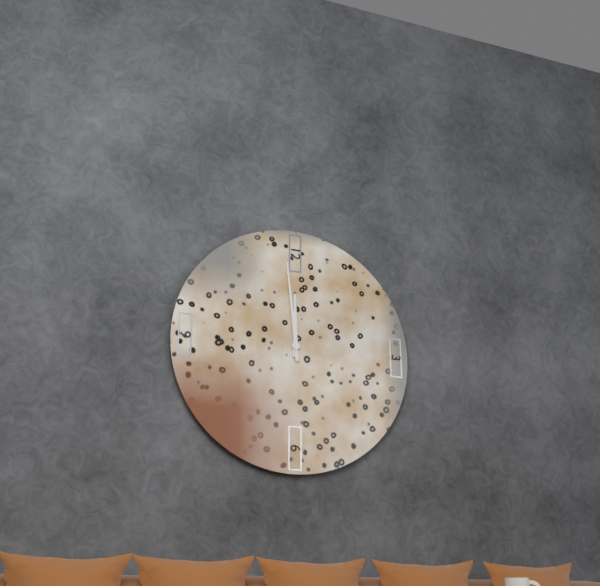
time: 11:59
